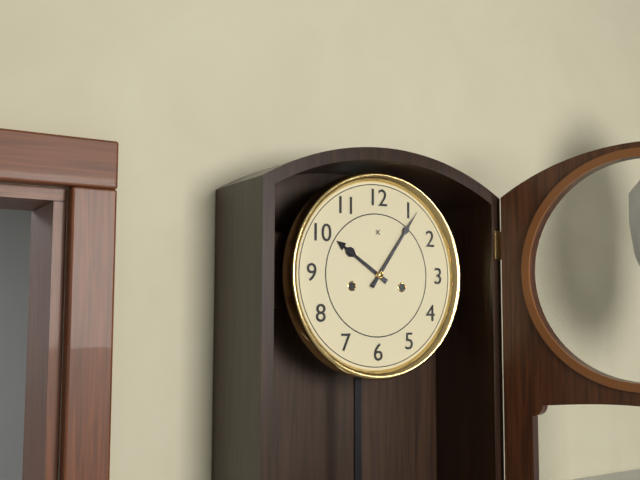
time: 10:06
